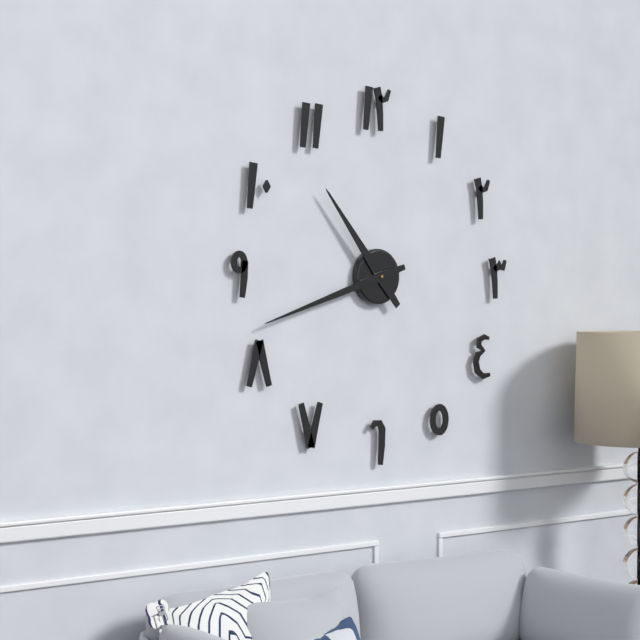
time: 10:42
